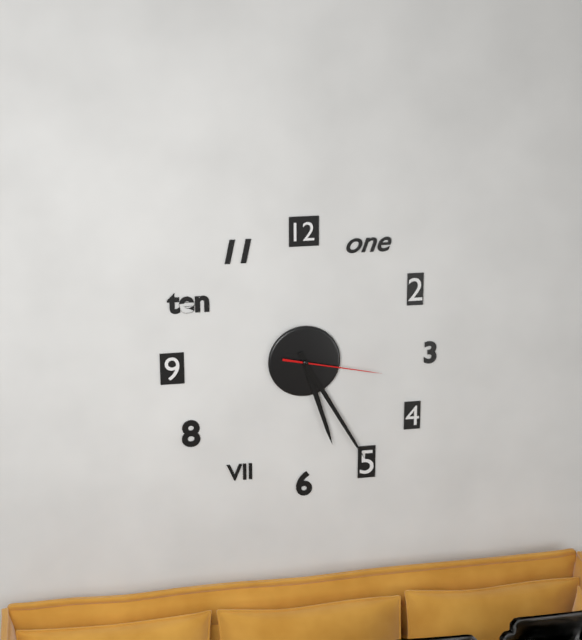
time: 5:25:17
